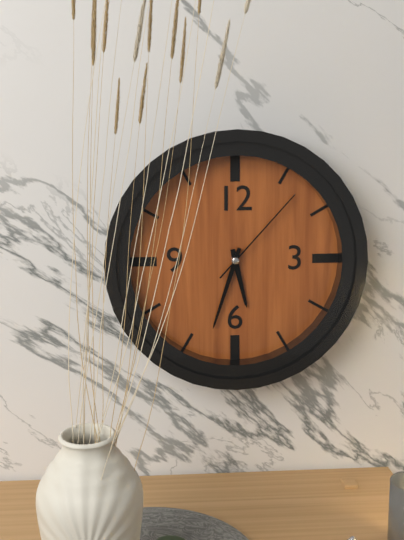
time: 5:33:07
